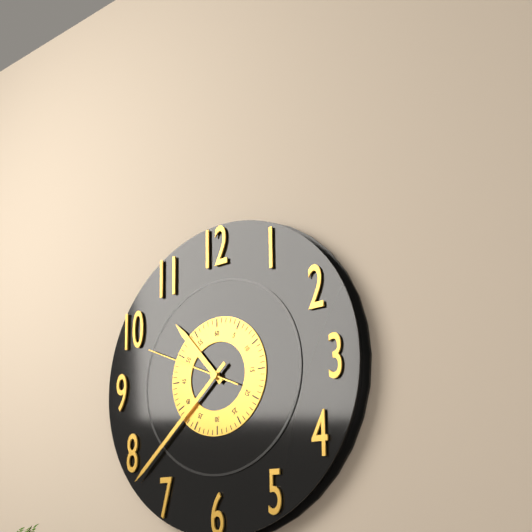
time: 10:38:49
